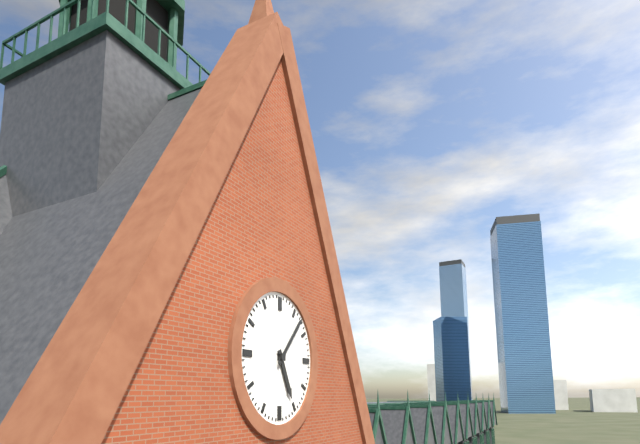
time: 5:07
